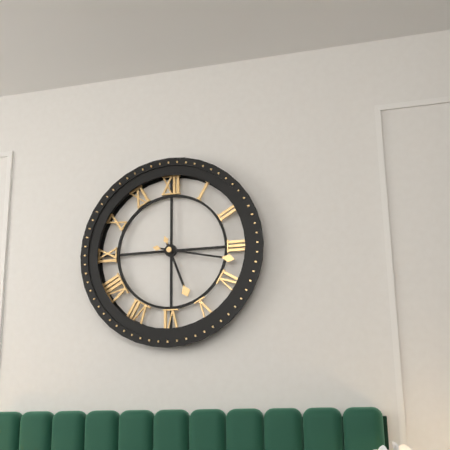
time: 5:17
